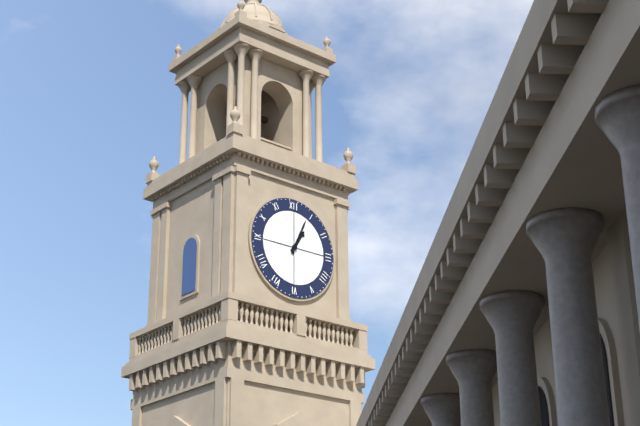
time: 1:04
